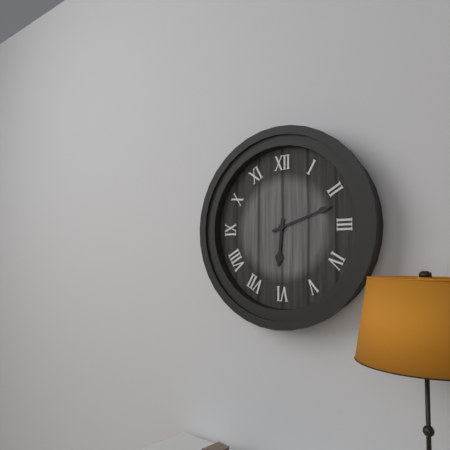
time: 6:12
